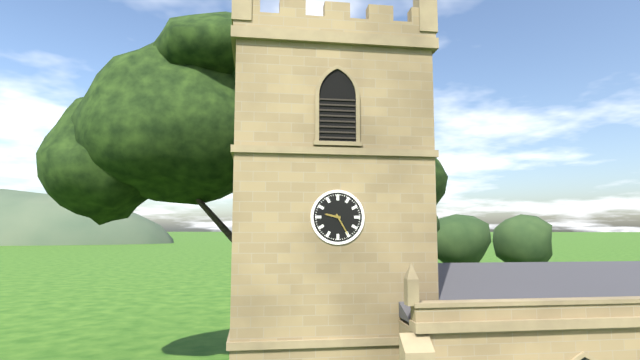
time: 9:25
